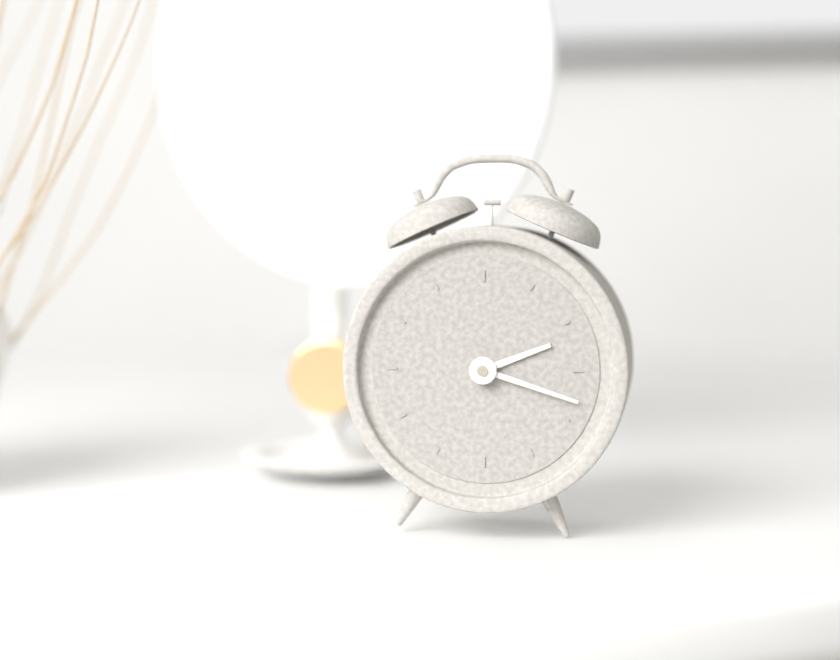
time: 2:18
